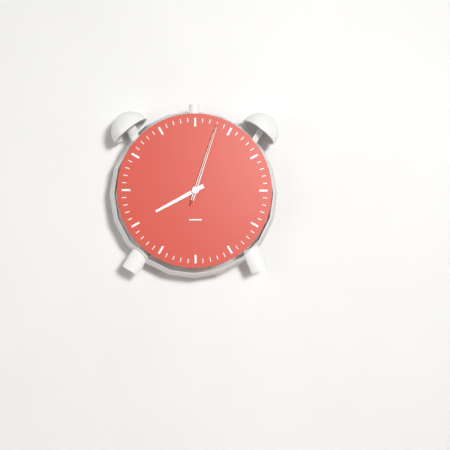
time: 8:03:03
